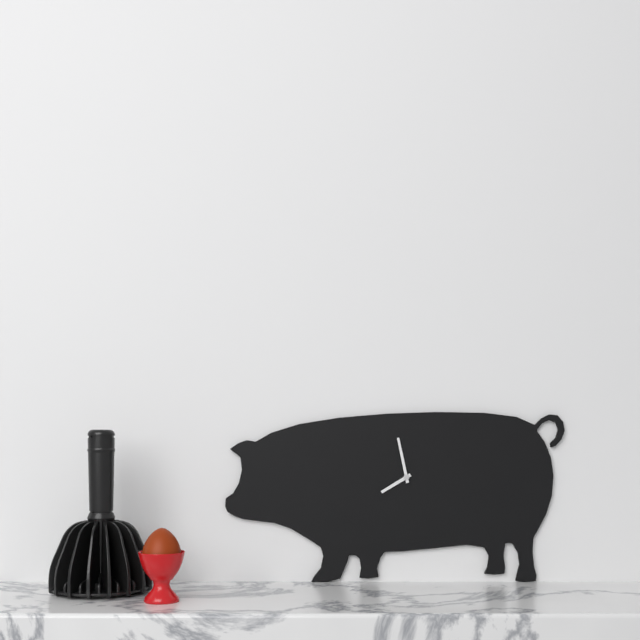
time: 7:58
